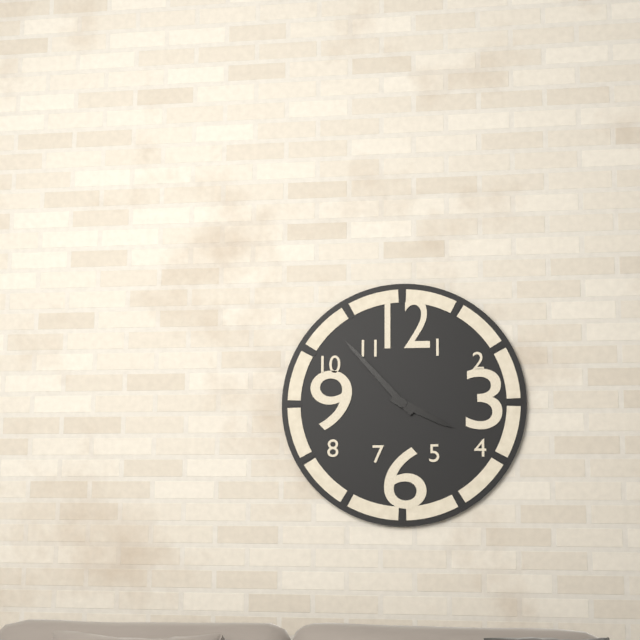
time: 3:53
